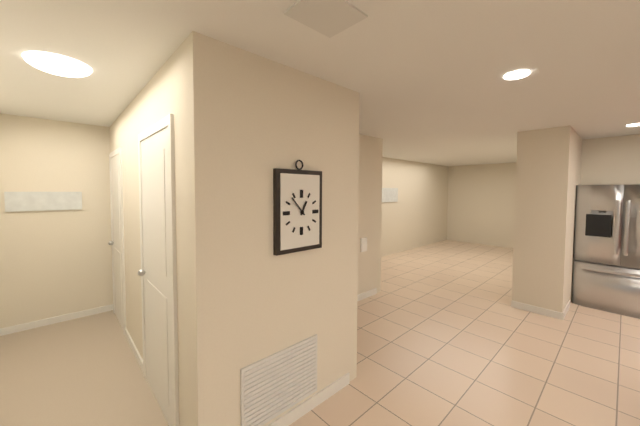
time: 12:53
